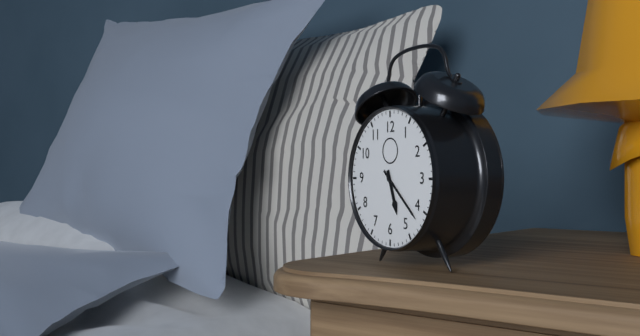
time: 5:22
